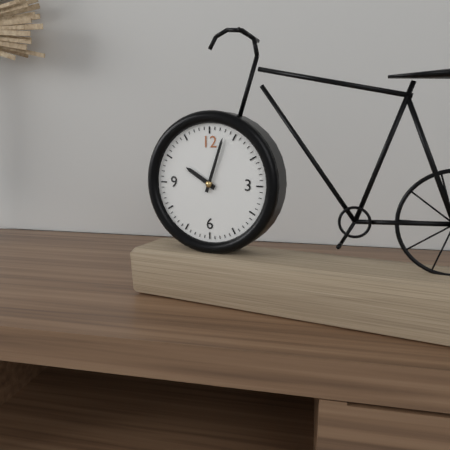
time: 10:03
